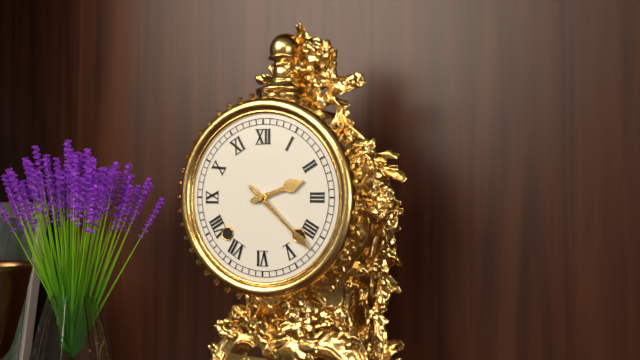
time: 2:22
